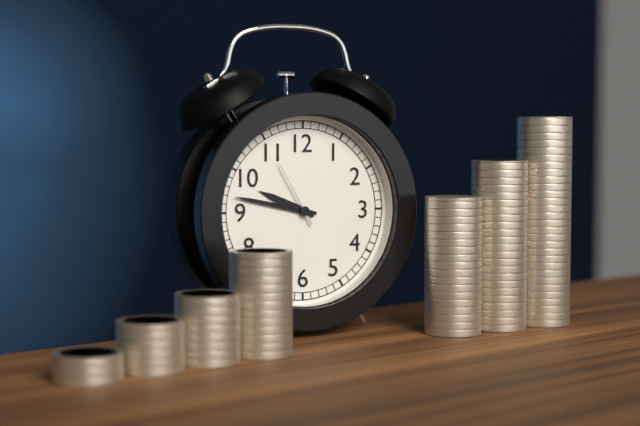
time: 9:47:55
